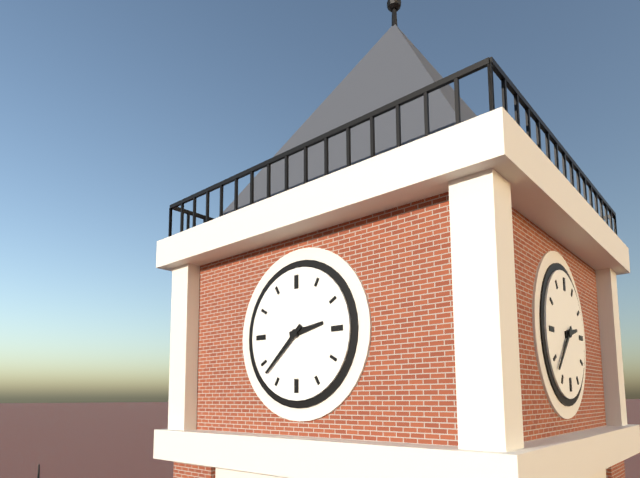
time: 2:38
